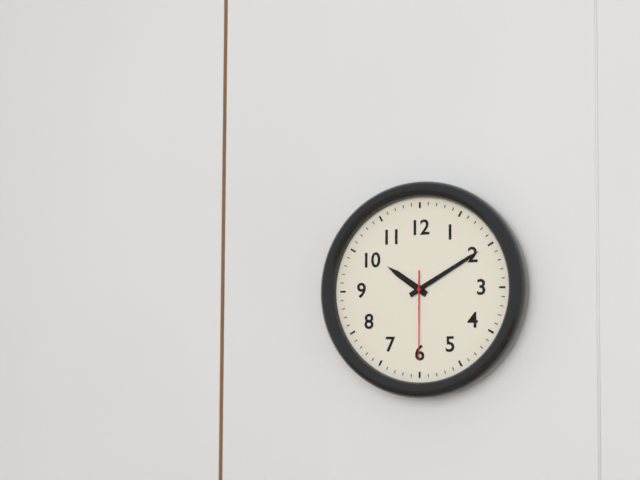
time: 10:10:30
